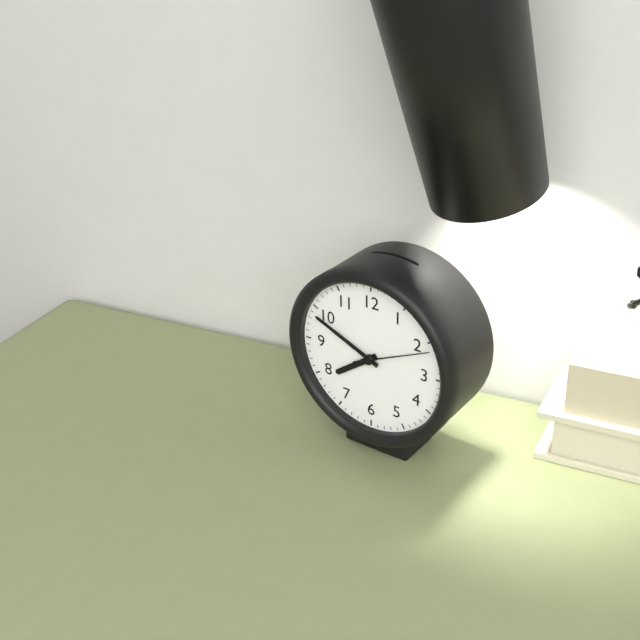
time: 7:49:11
